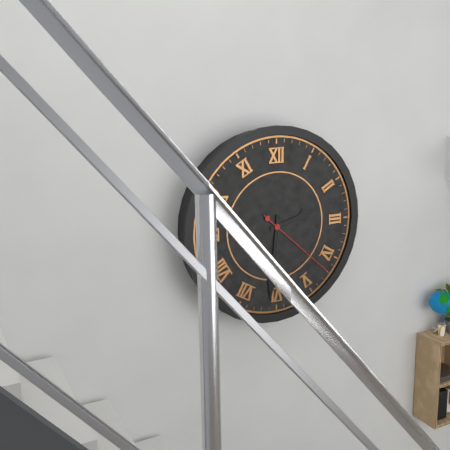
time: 2:31:22
